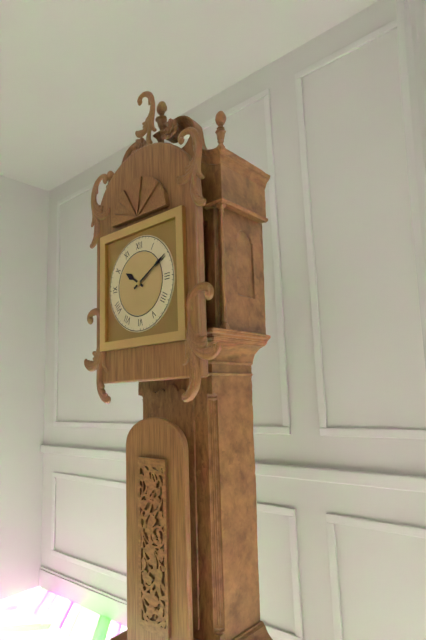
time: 10:10
